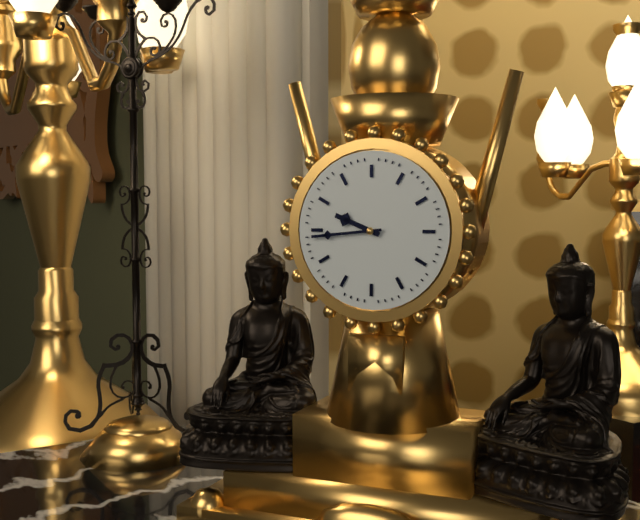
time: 9:44
